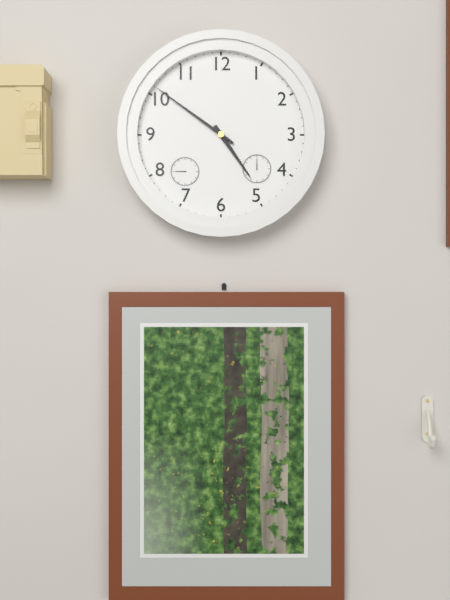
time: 4:51
